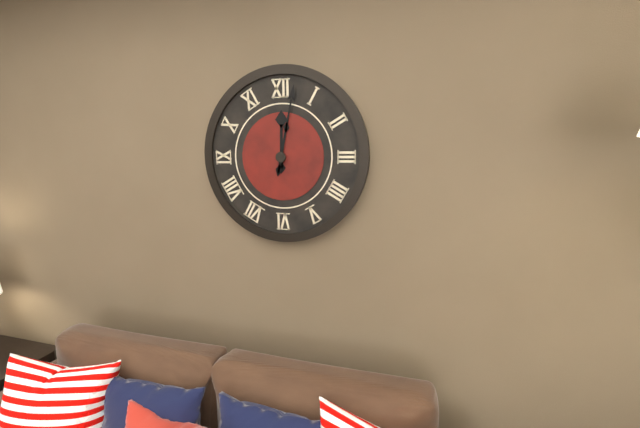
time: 12:02
